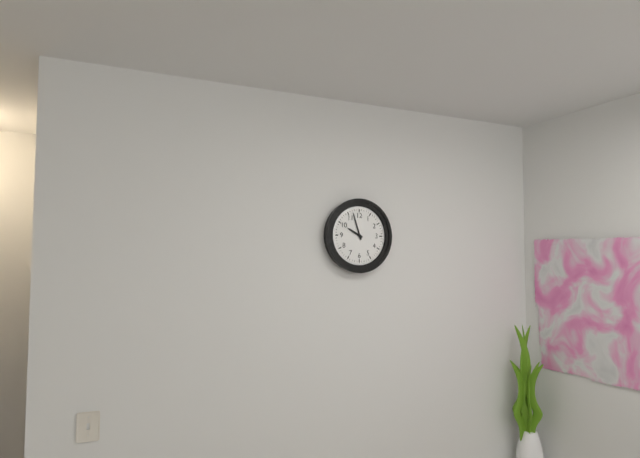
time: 9:57
